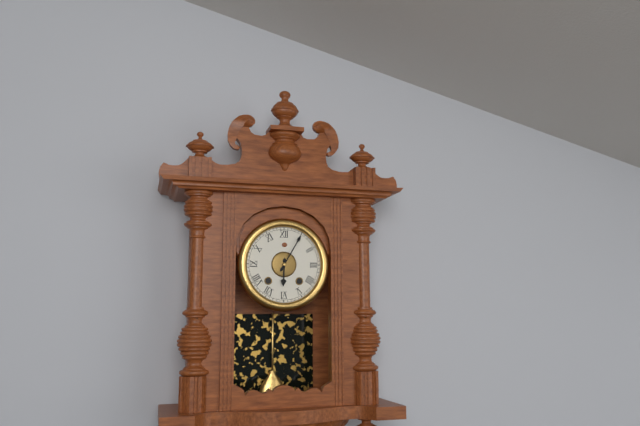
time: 6:05
